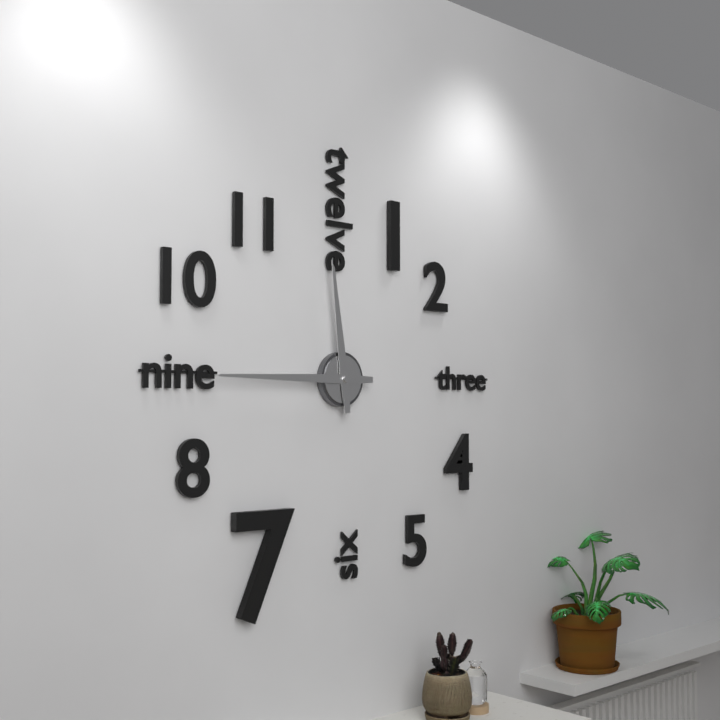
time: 11:45
